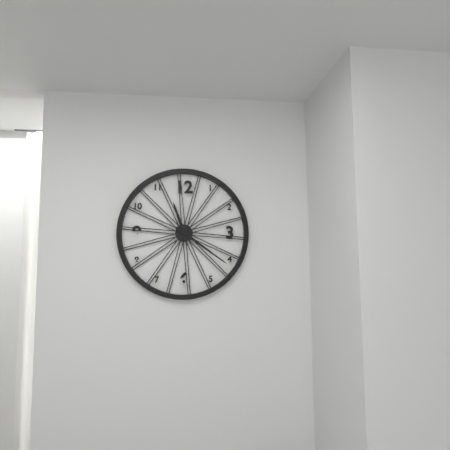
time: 11:21
